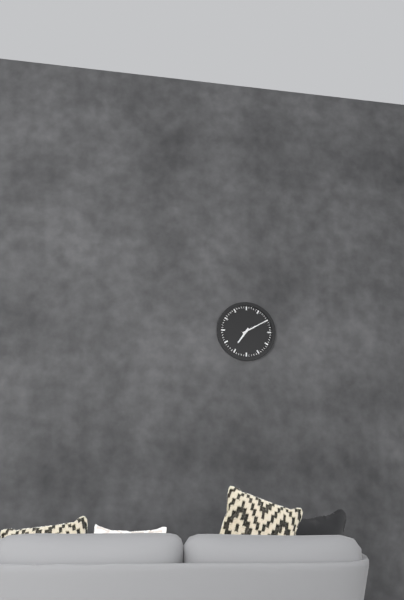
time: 7:10
